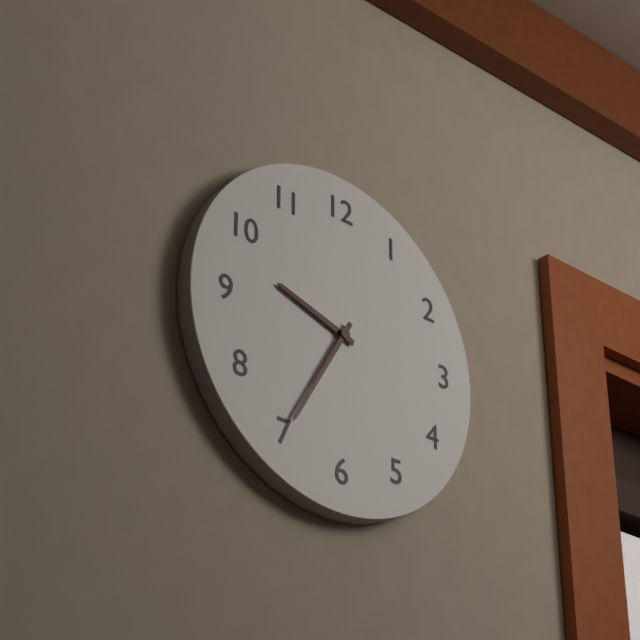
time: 9:35
